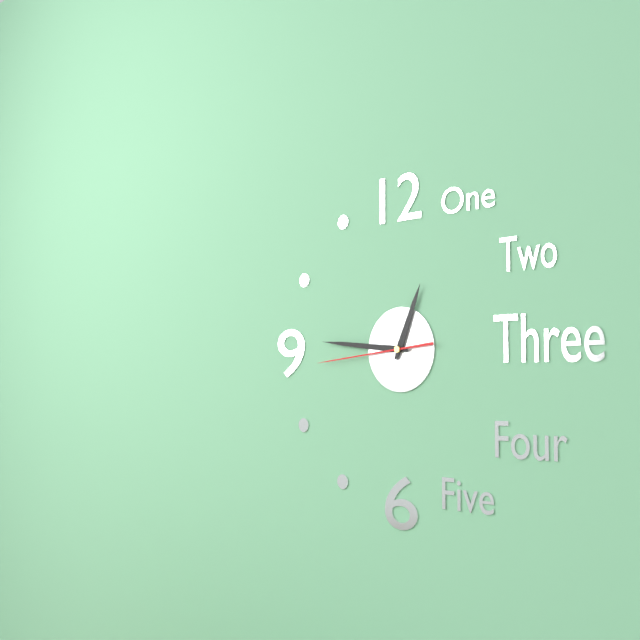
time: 12:46:44
